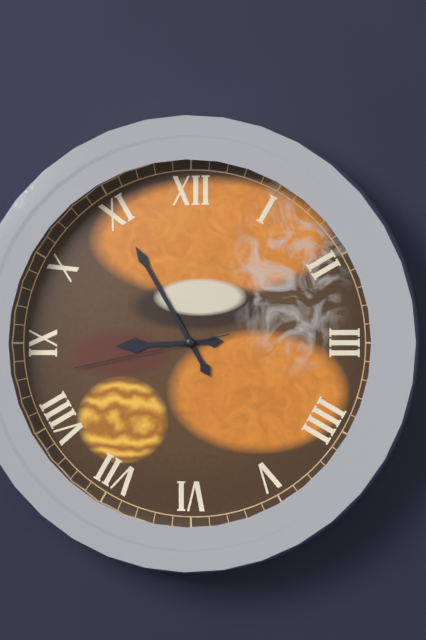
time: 8:55:43
